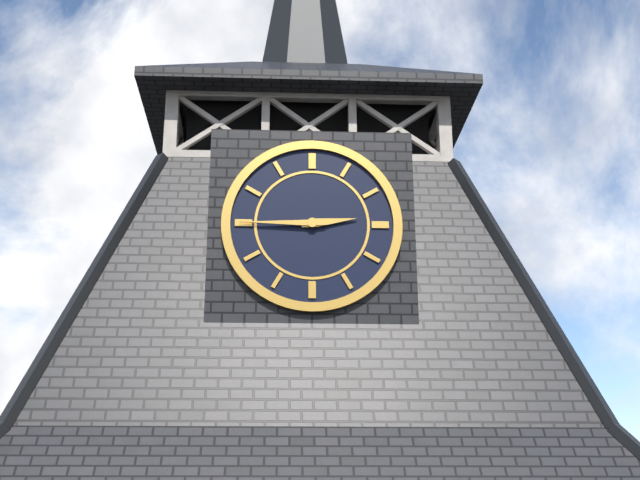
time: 2:45
